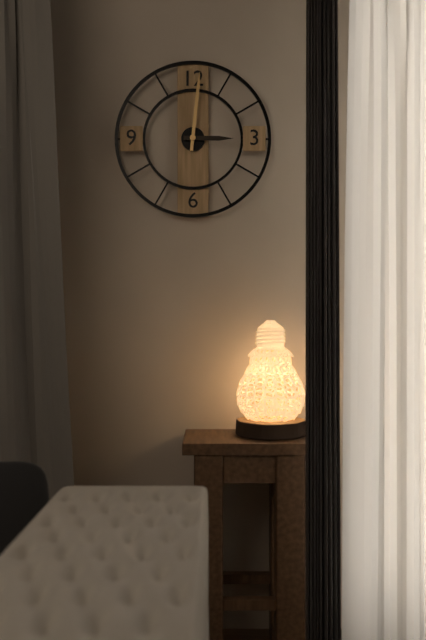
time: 3:01
